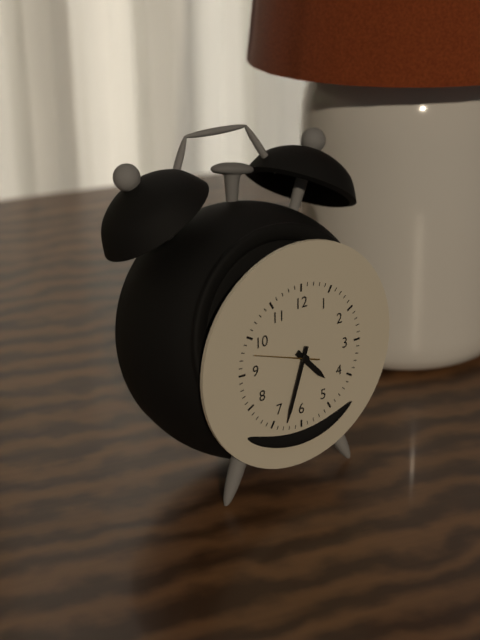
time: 4:33:48
